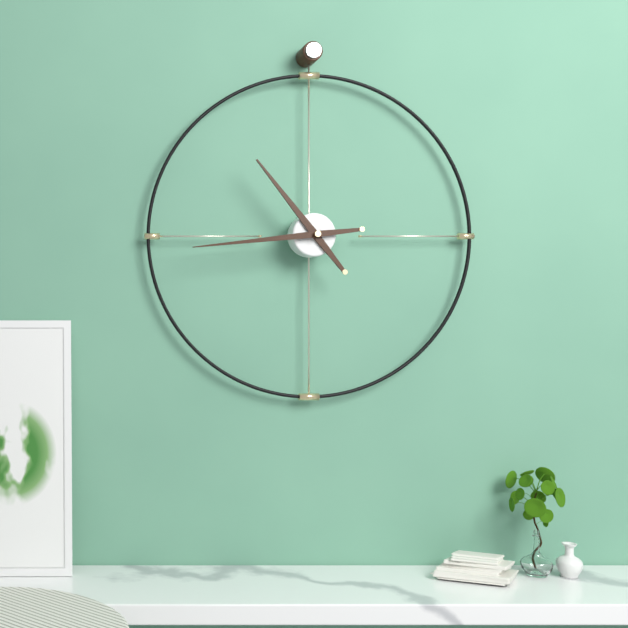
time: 10:44
